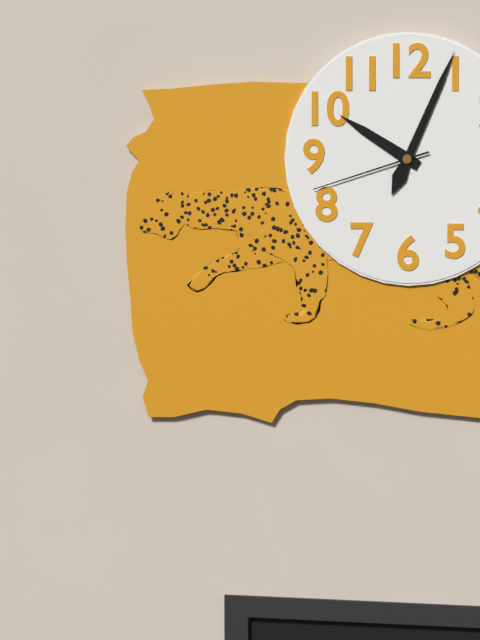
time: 10:04:42
